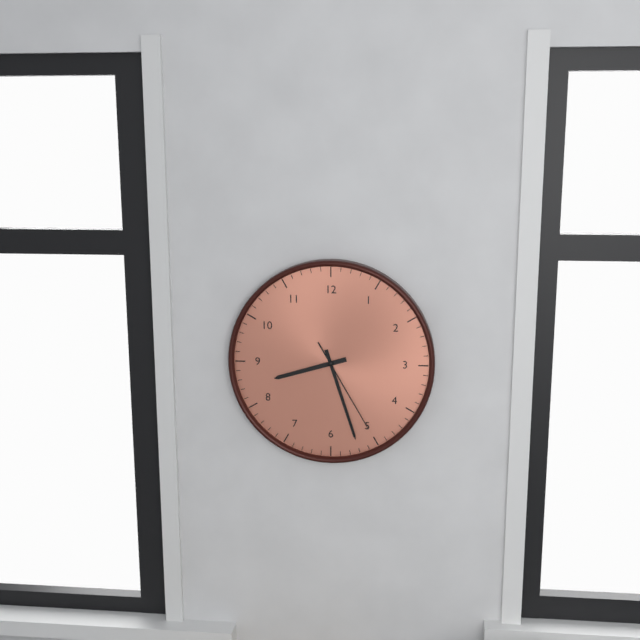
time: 8:27:25
